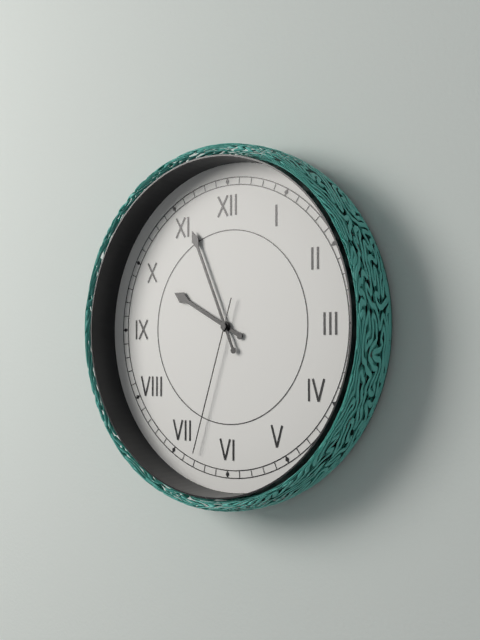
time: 9:56:33
